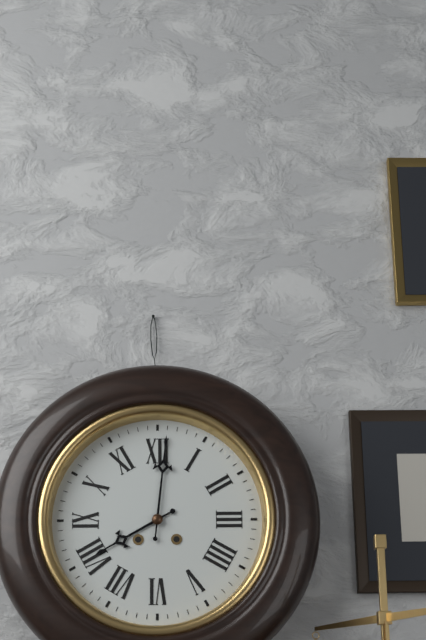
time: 8:01
